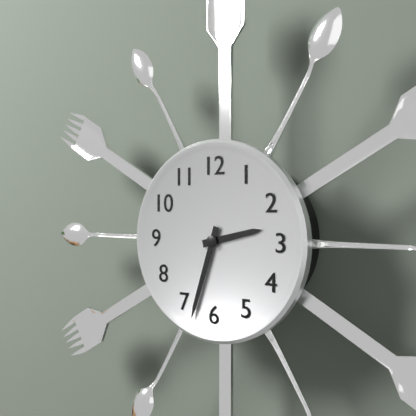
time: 2:33
